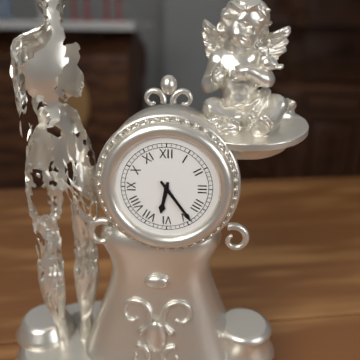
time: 6:24
